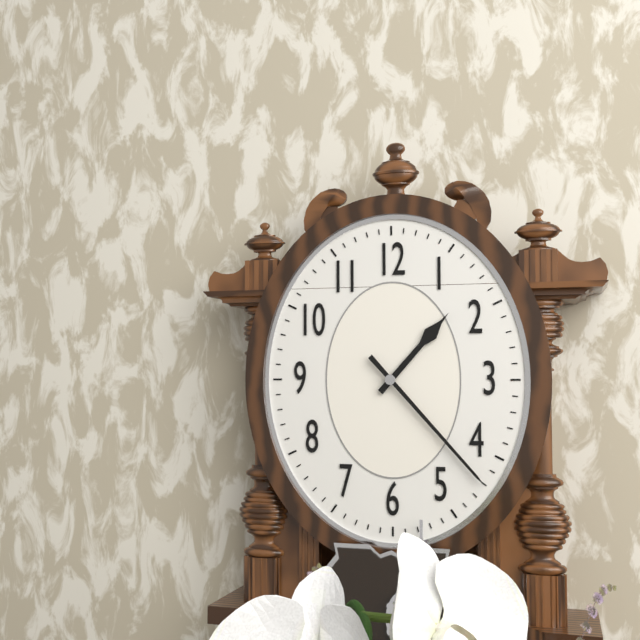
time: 1:23
